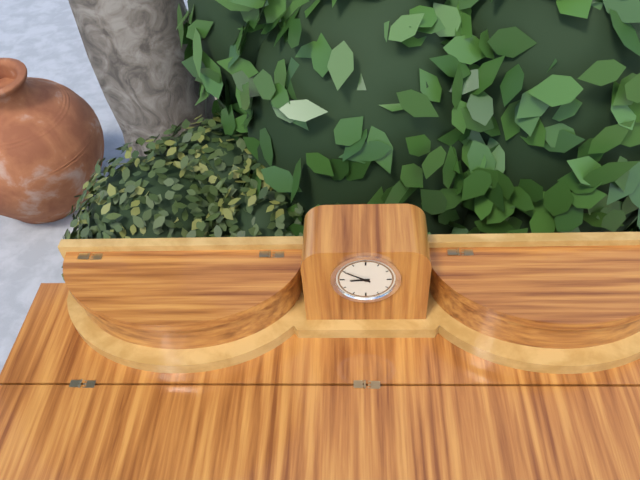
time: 8:50
